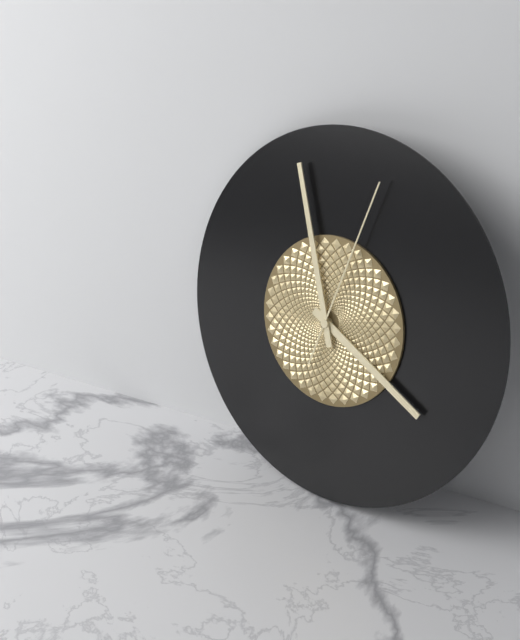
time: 3:57:03
